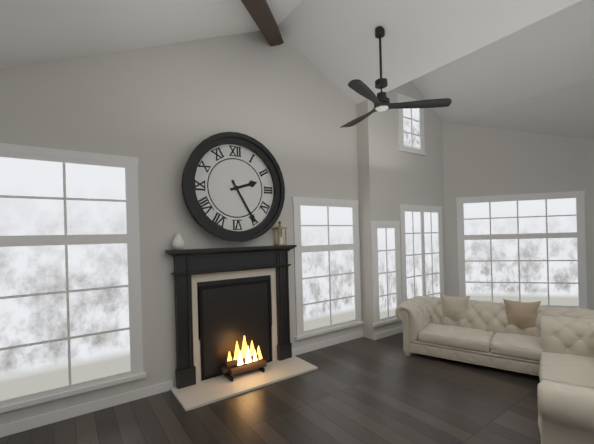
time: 2:25
